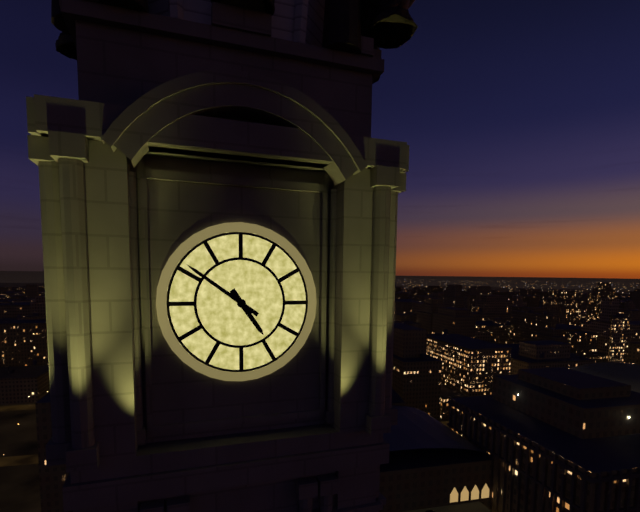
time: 4:51
